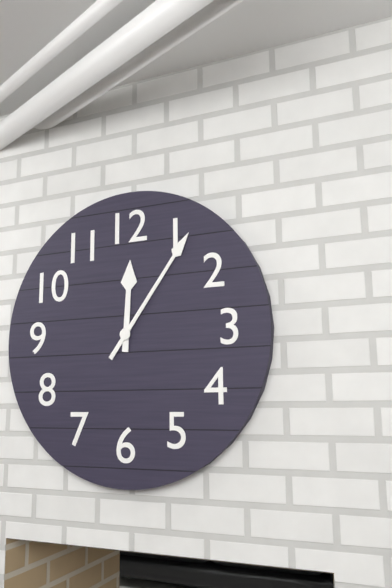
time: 12:06
